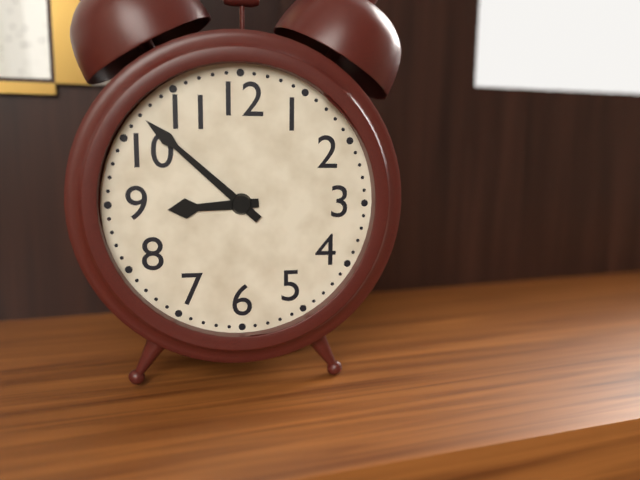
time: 8:52
